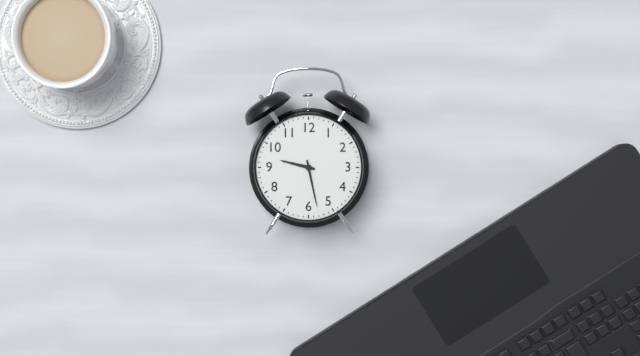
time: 9:28
